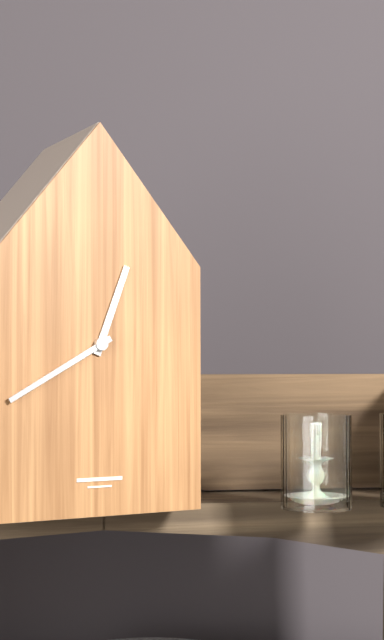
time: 12:40
